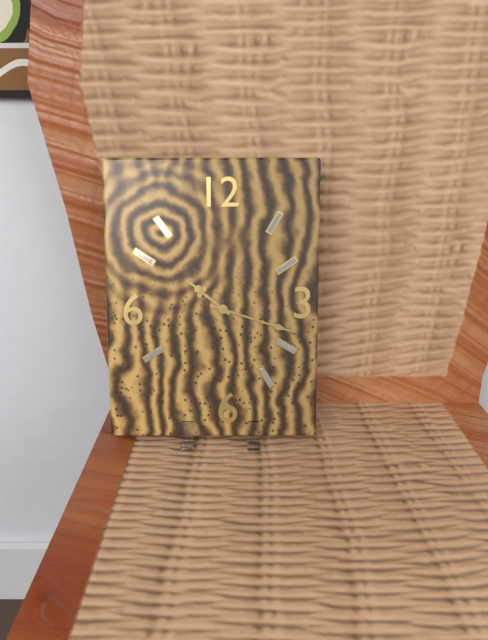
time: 10:18
